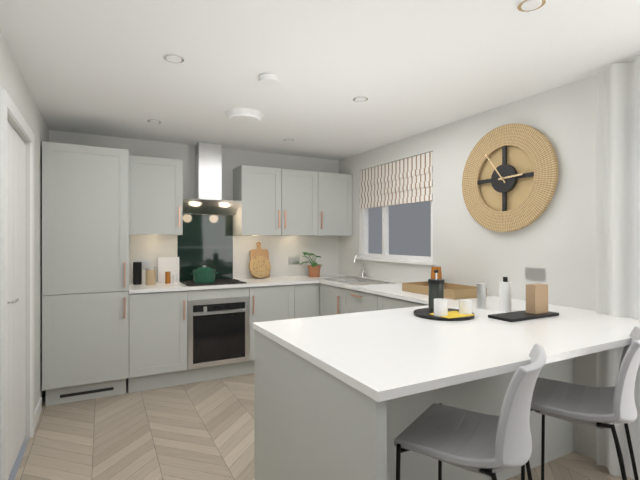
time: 2:54
